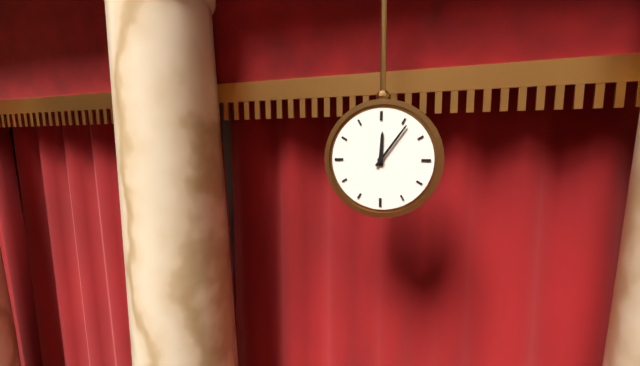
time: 12:06
